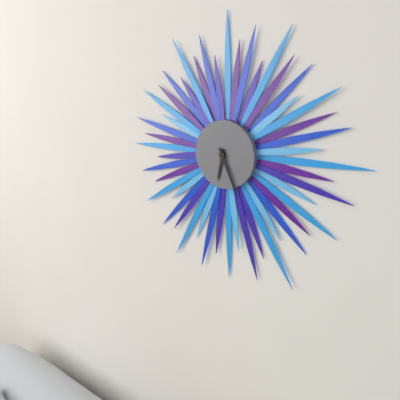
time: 6:26
